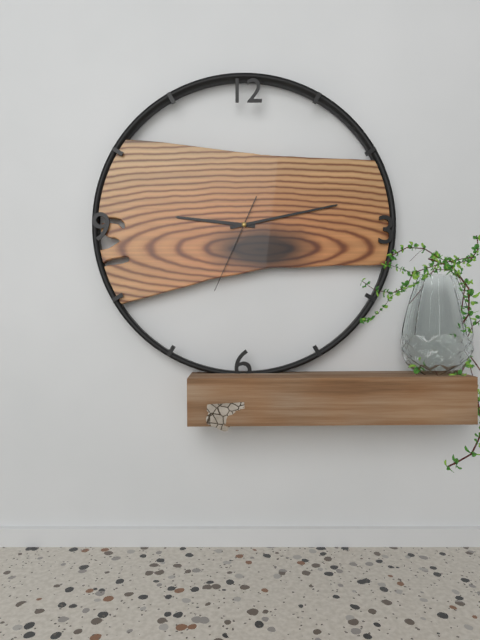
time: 9:13:34
